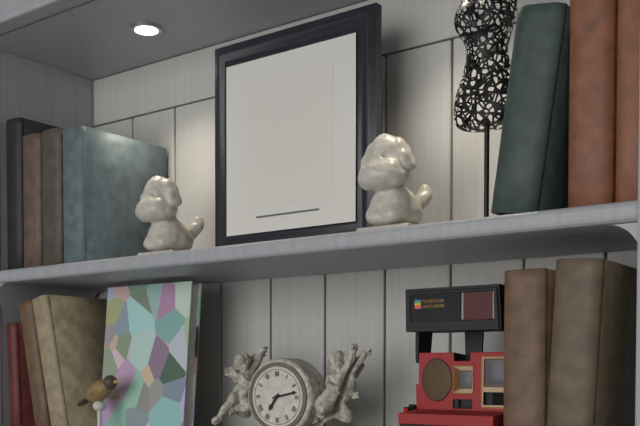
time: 7:13
